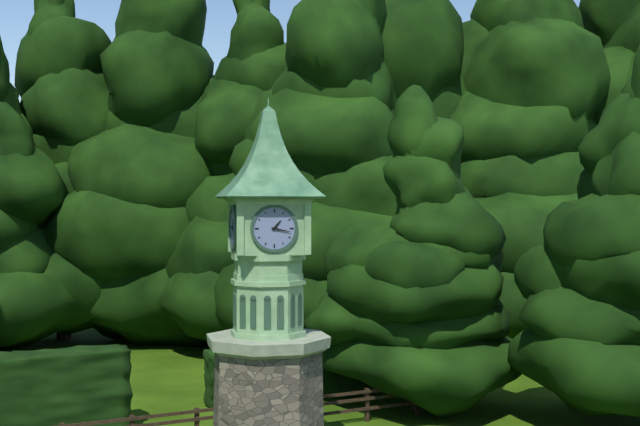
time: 1:17
